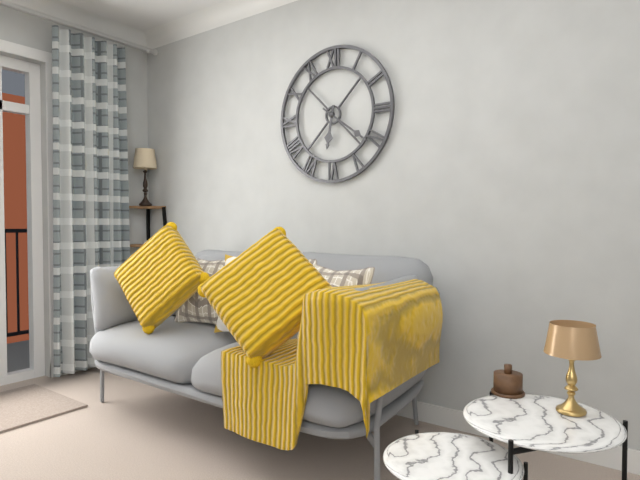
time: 6:21
